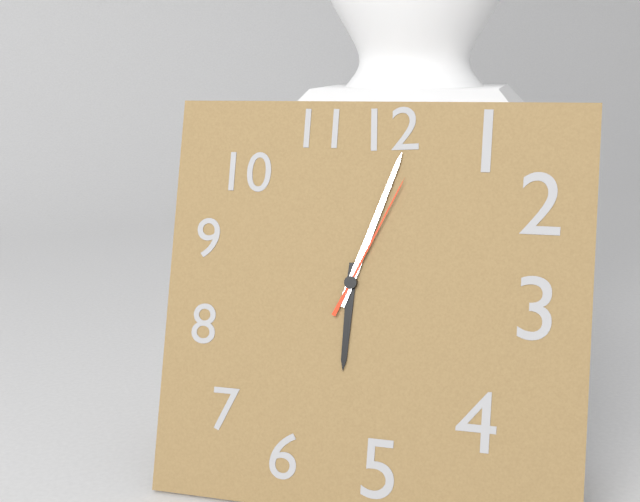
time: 6:03:04
